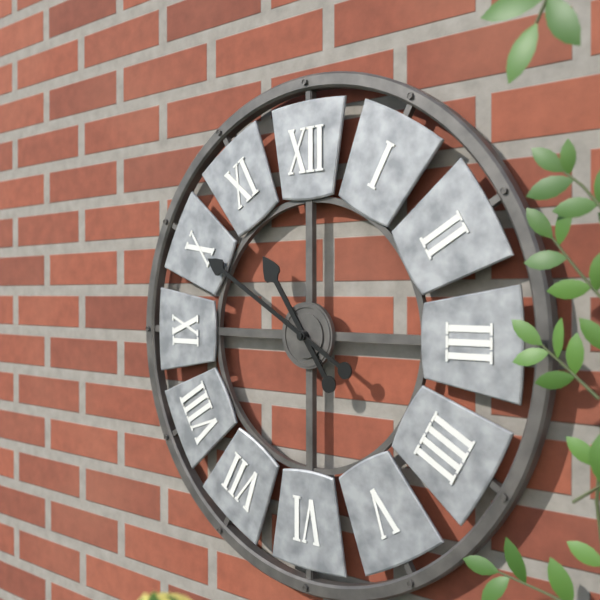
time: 10:50
